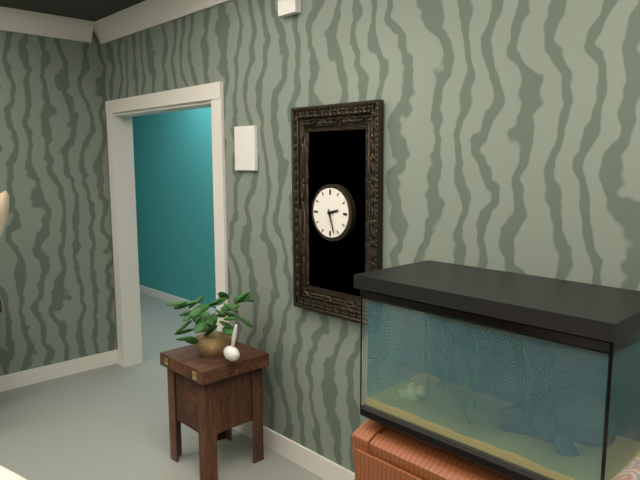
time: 2:27
